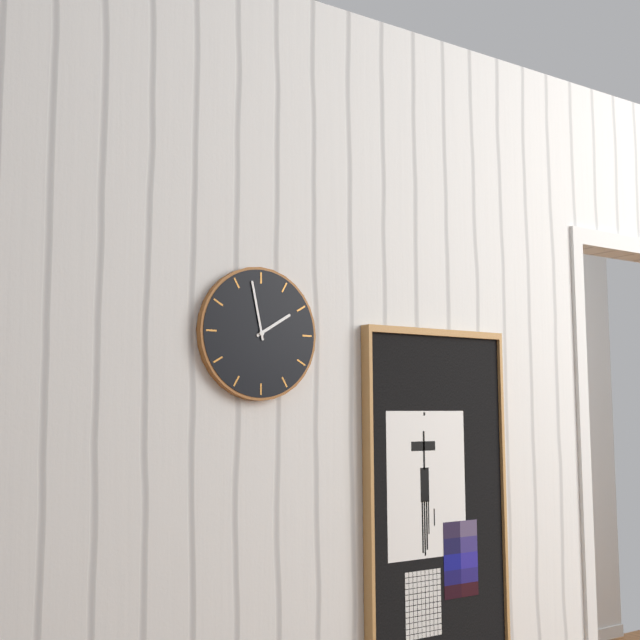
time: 1:58
